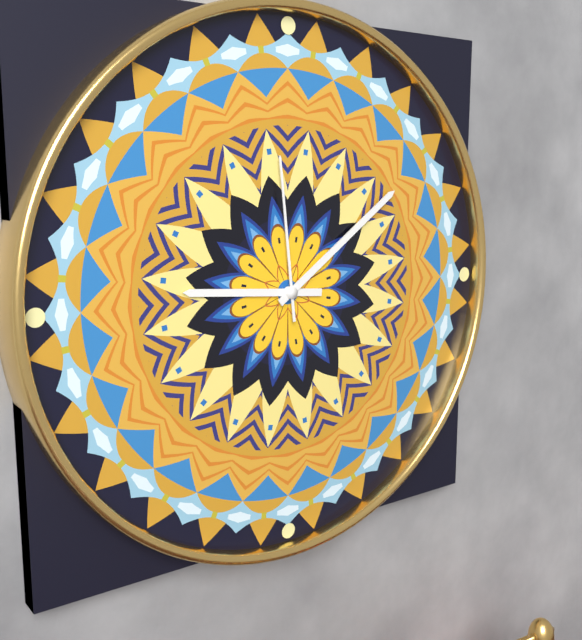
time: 9:09:59
